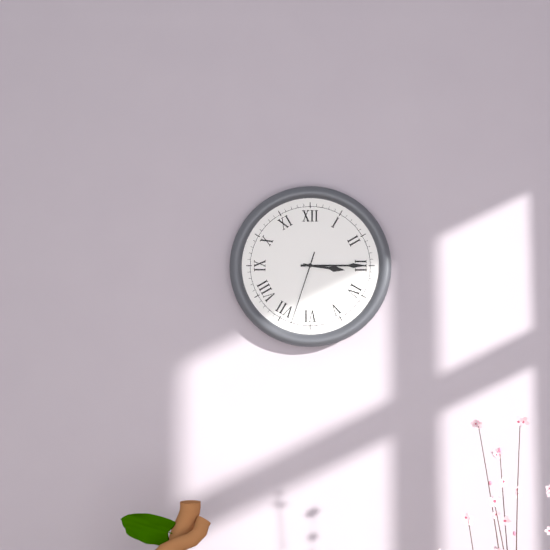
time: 3:15:33
